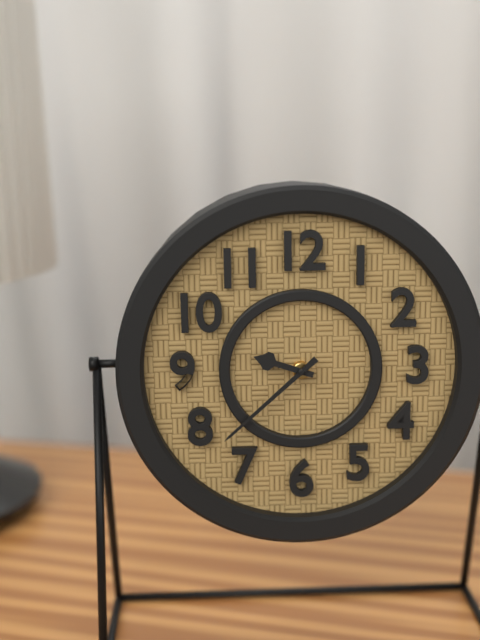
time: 9:38
